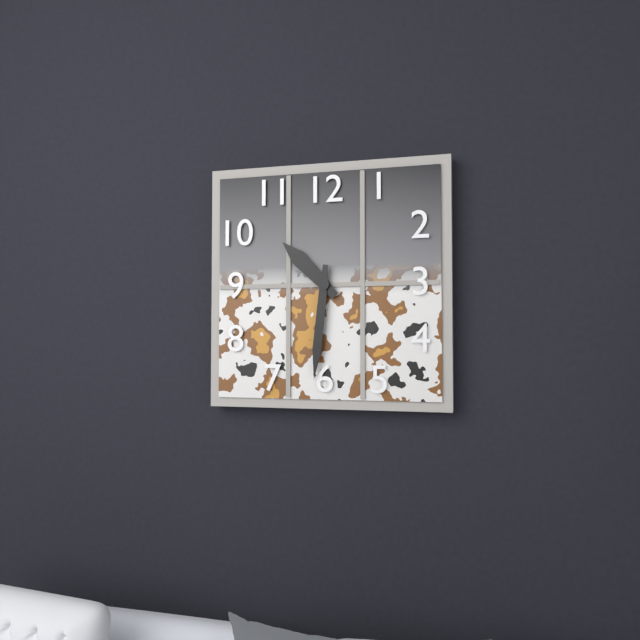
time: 10:31
